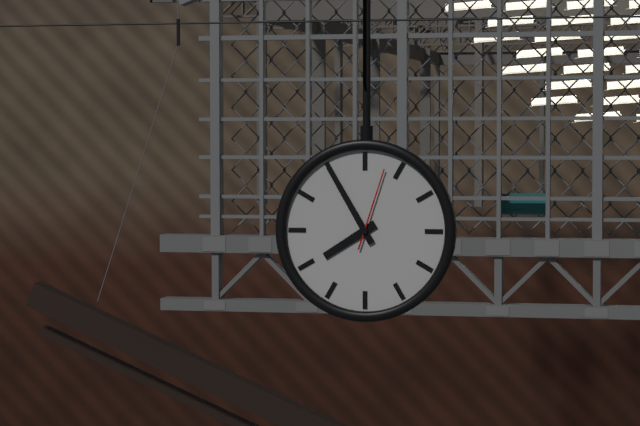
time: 7:55:03
